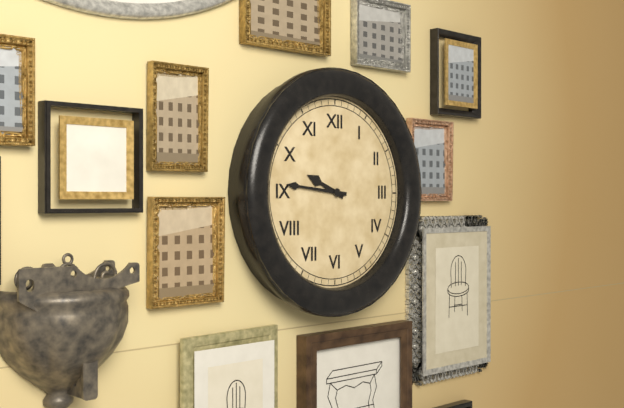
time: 9:46
